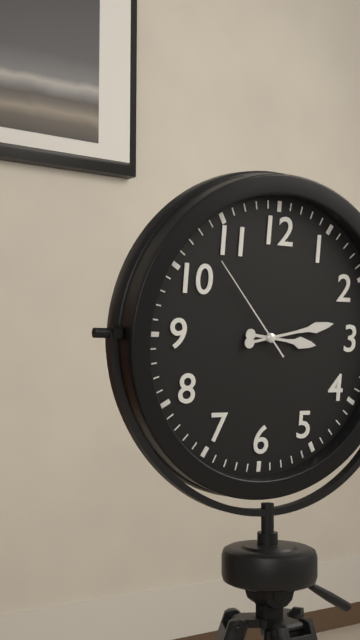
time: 3:13:53
